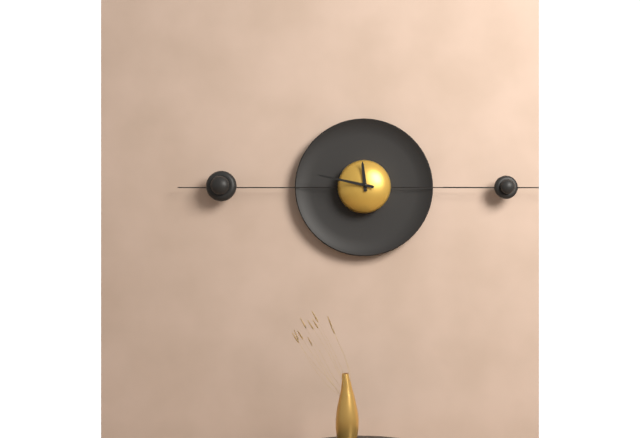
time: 11:47
